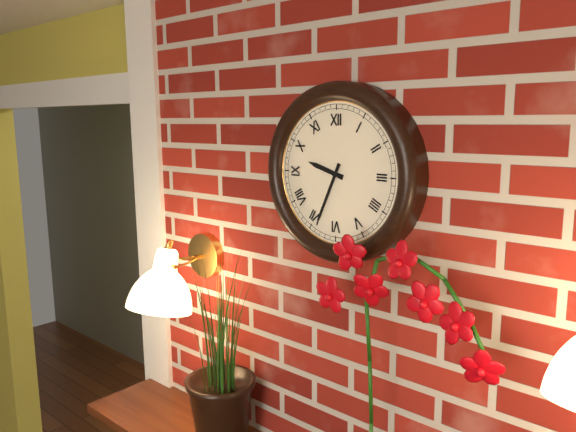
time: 9:34
